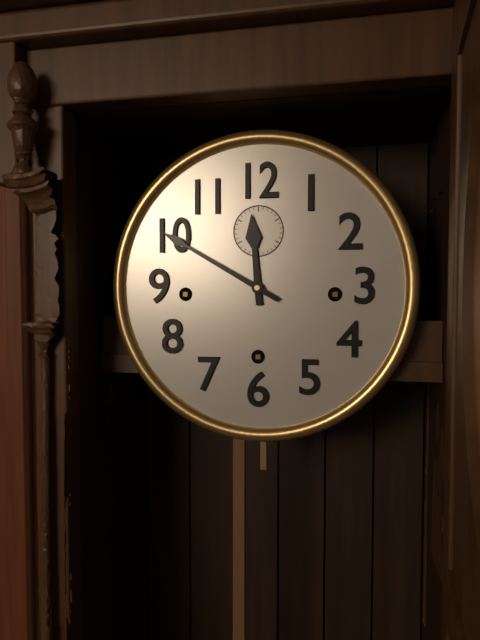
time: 11:50
